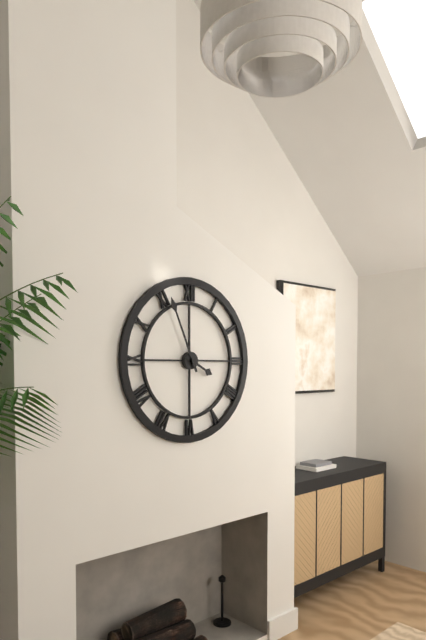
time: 3:56
